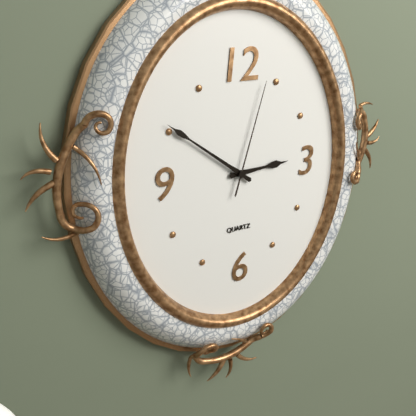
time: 2:51:03
